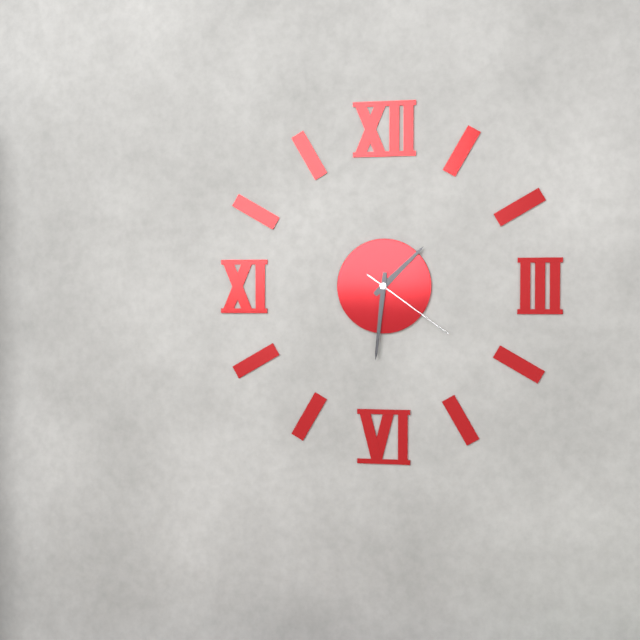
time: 1:31:21
